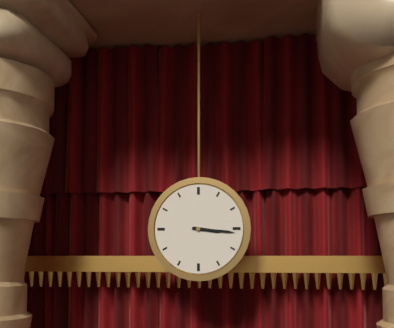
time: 3:16
